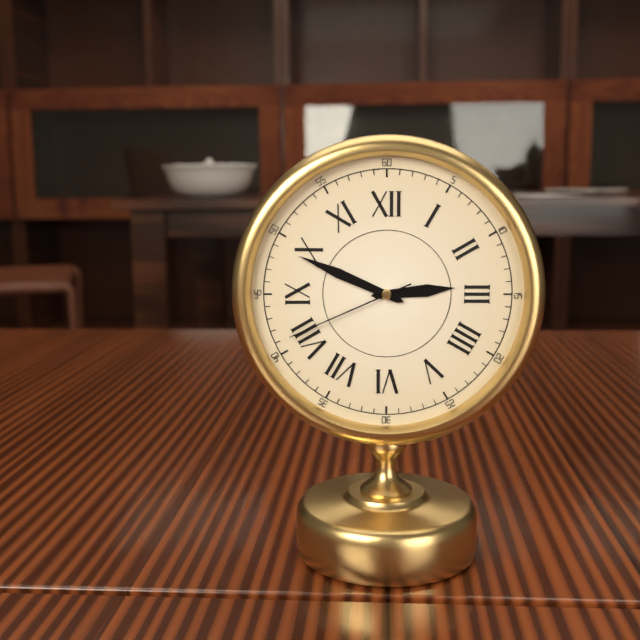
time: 2:49:41
